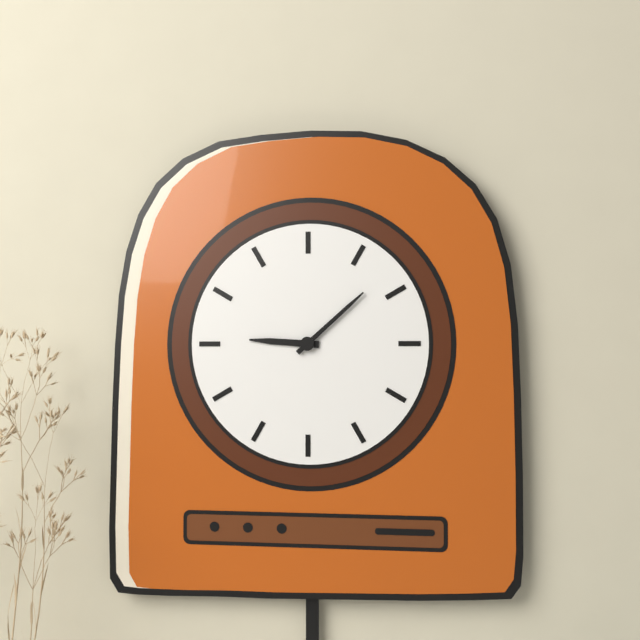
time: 9:08
